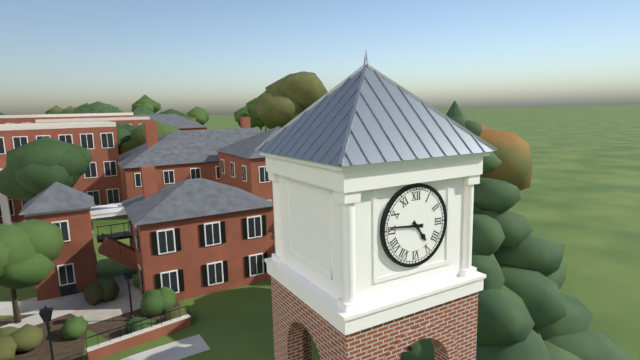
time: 4:46
